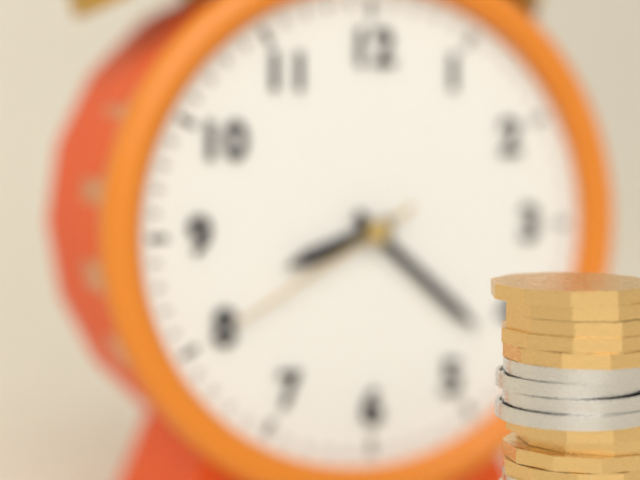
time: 8:22:40
